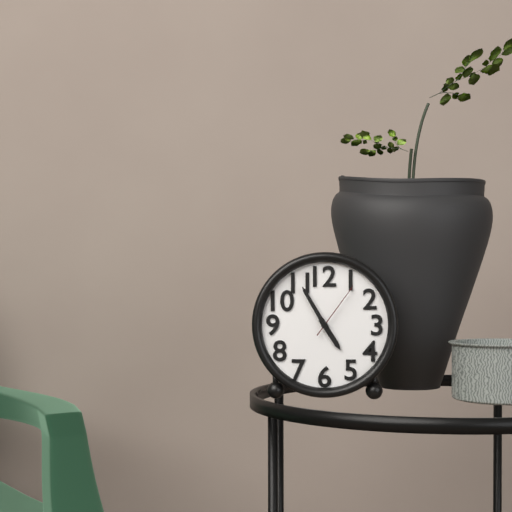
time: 4:55:06
